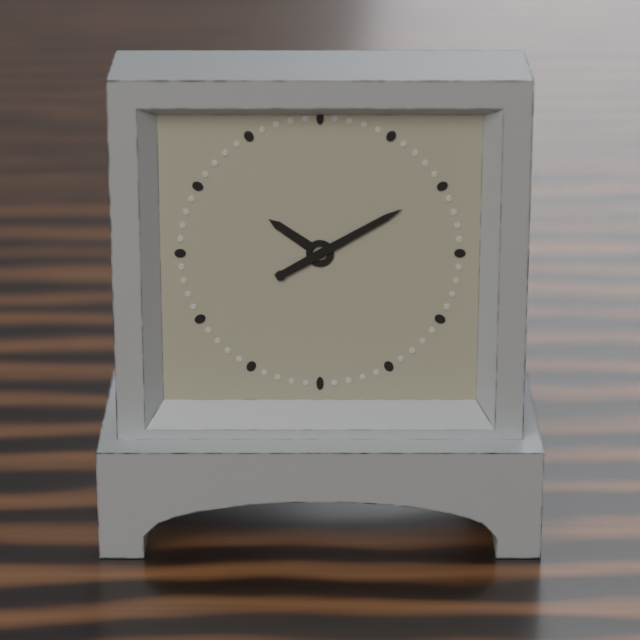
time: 10:10
